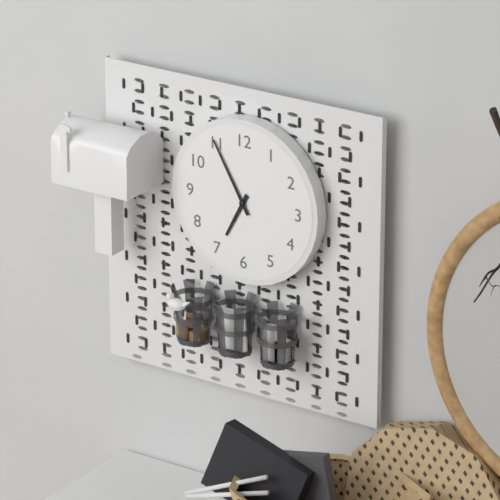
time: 6:55
